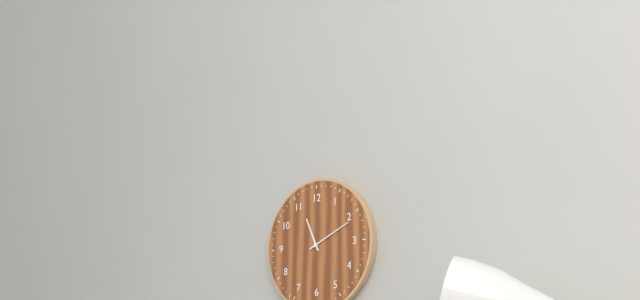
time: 11:11
